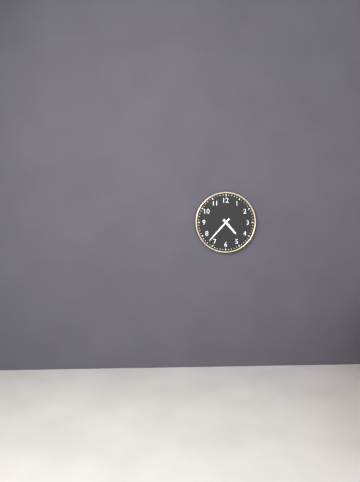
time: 4:37
